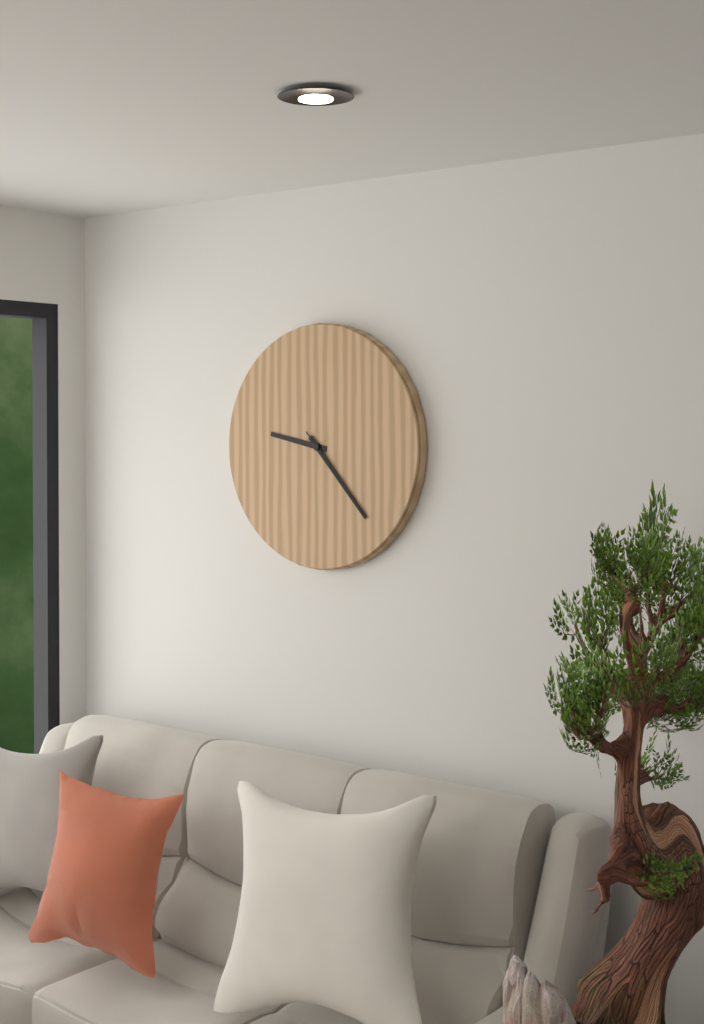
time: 9:23:23
